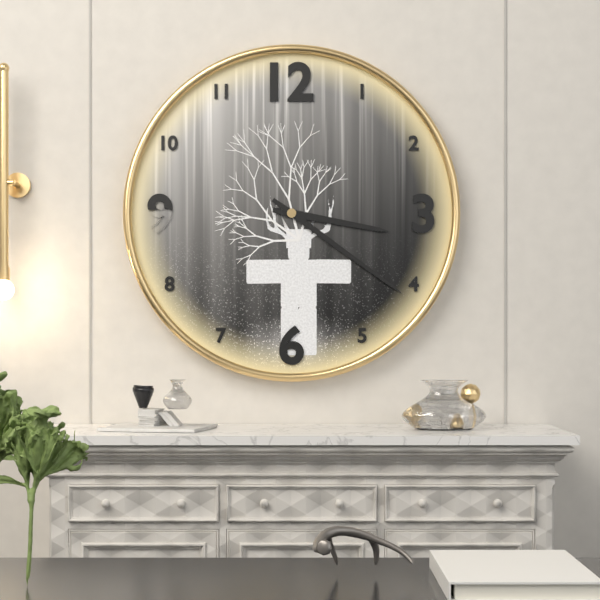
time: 3:21
